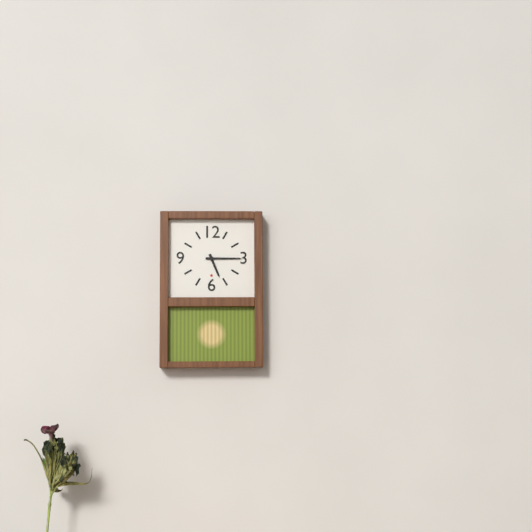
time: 5:15
